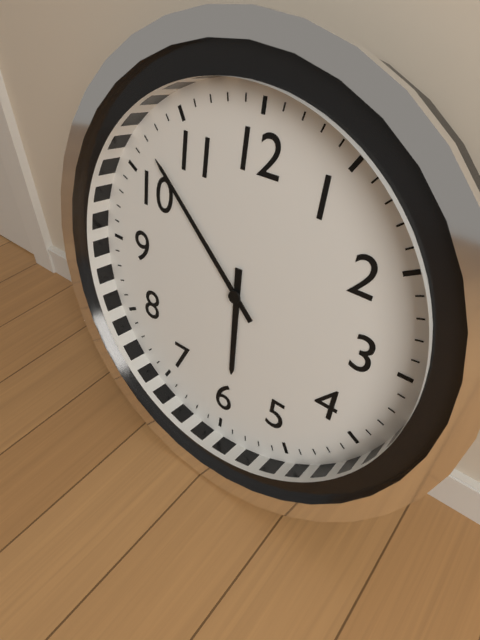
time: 5:52
